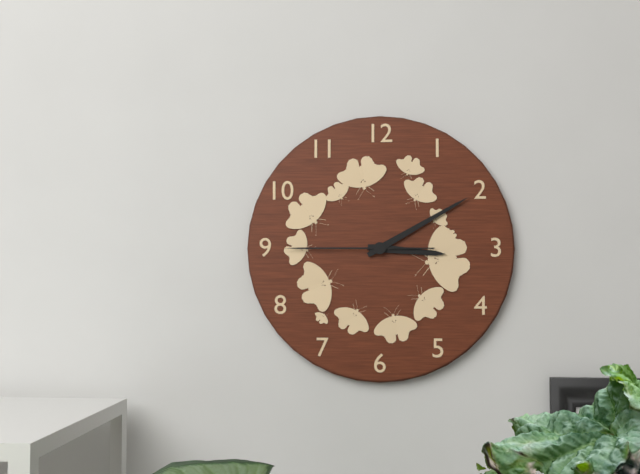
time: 3:10:45
